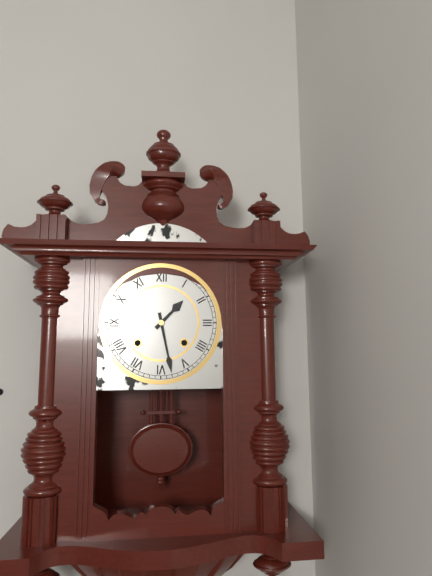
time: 1:28
